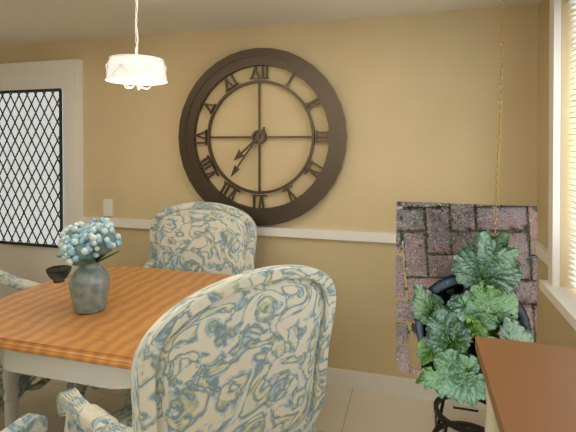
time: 7:36
